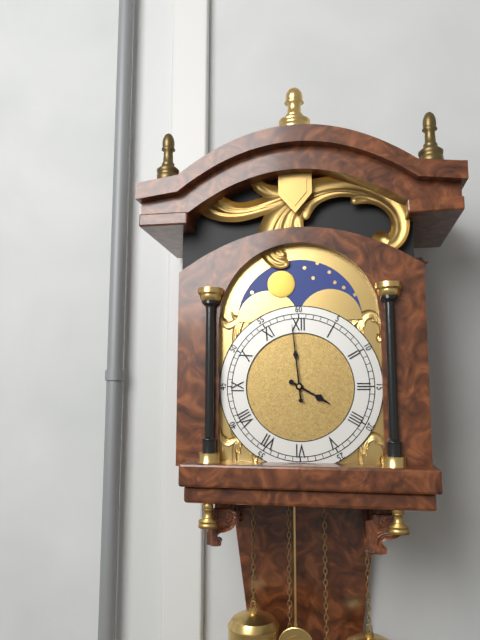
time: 3:59
